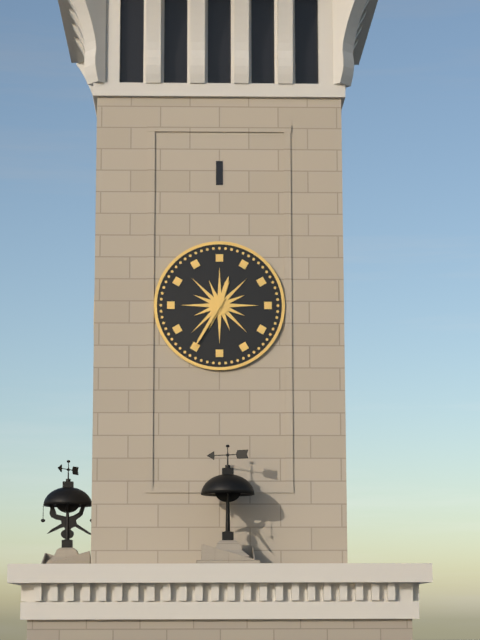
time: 12:35
